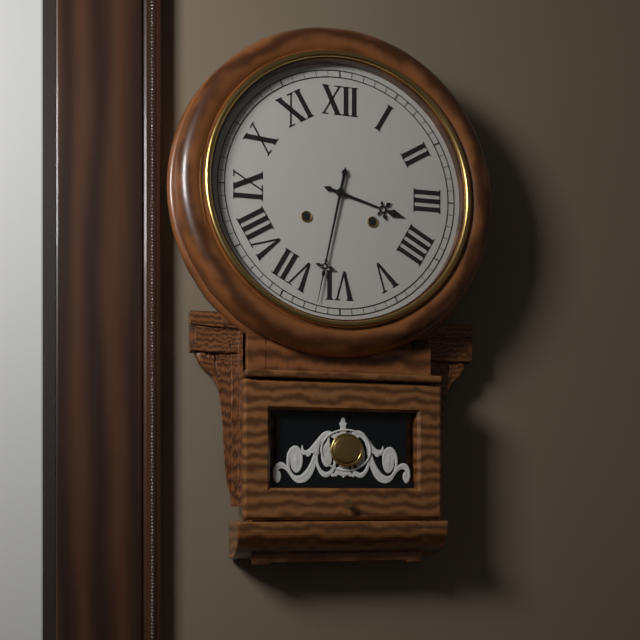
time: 3:32
